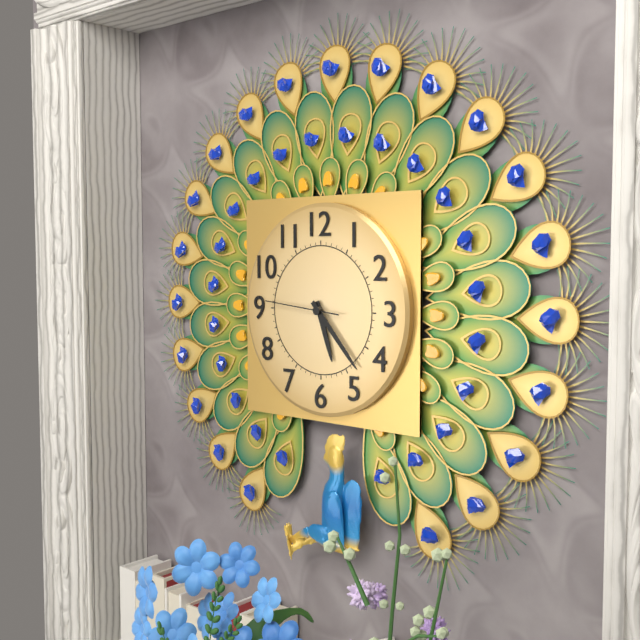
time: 5:23:46
